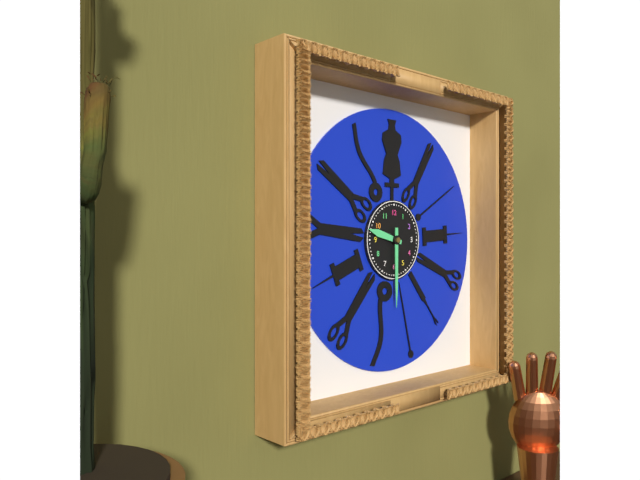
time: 9:30
